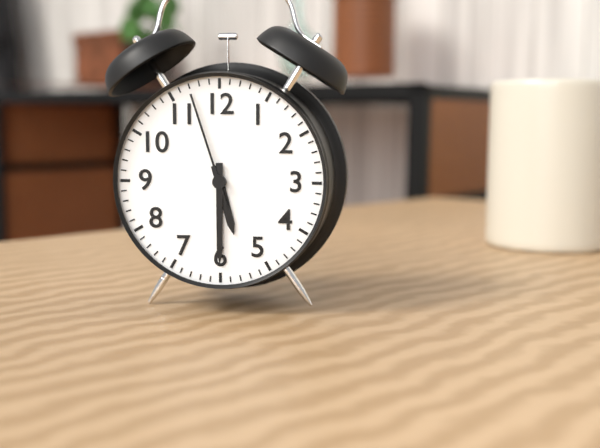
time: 5:30:57
